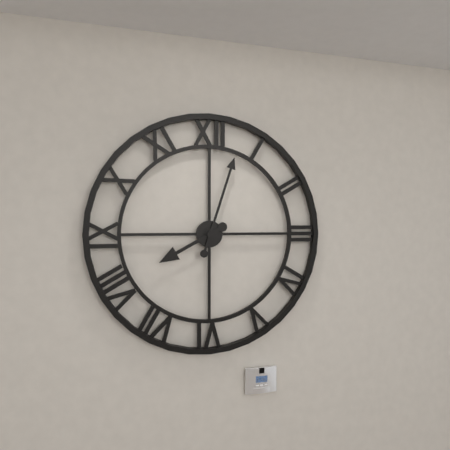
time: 8:03
